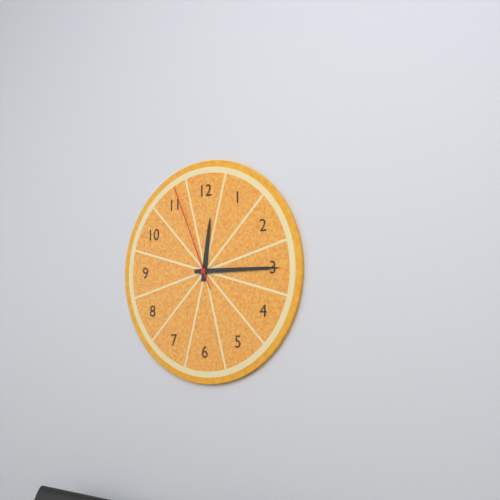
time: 12:15:56
